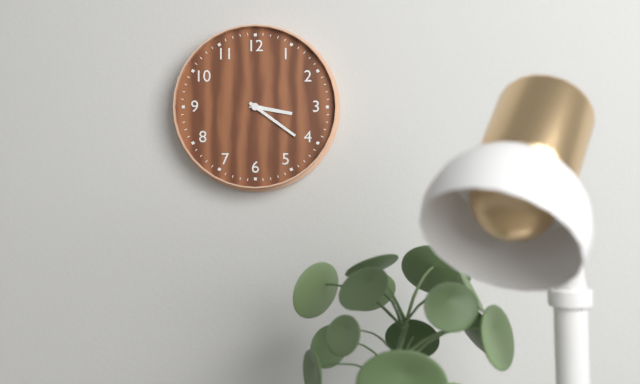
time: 3:21
